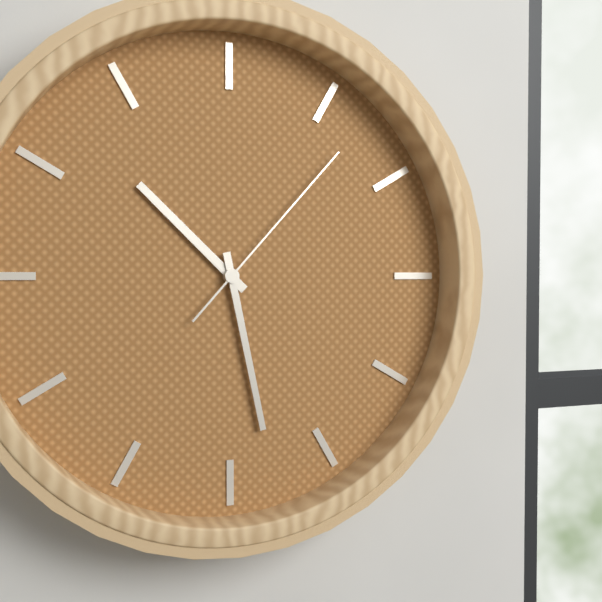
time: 10:28:07
